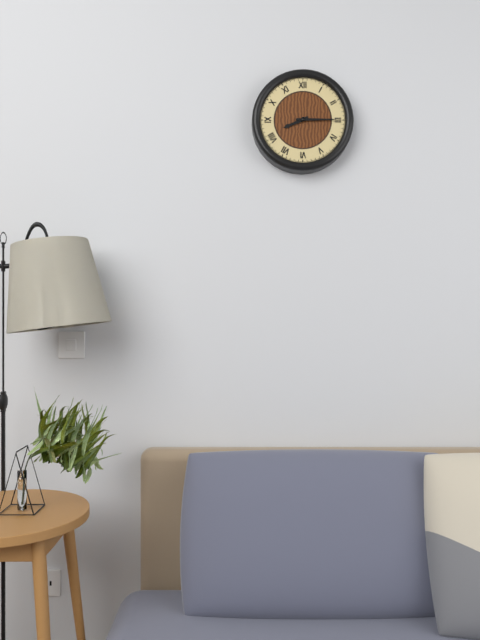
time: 8:15
